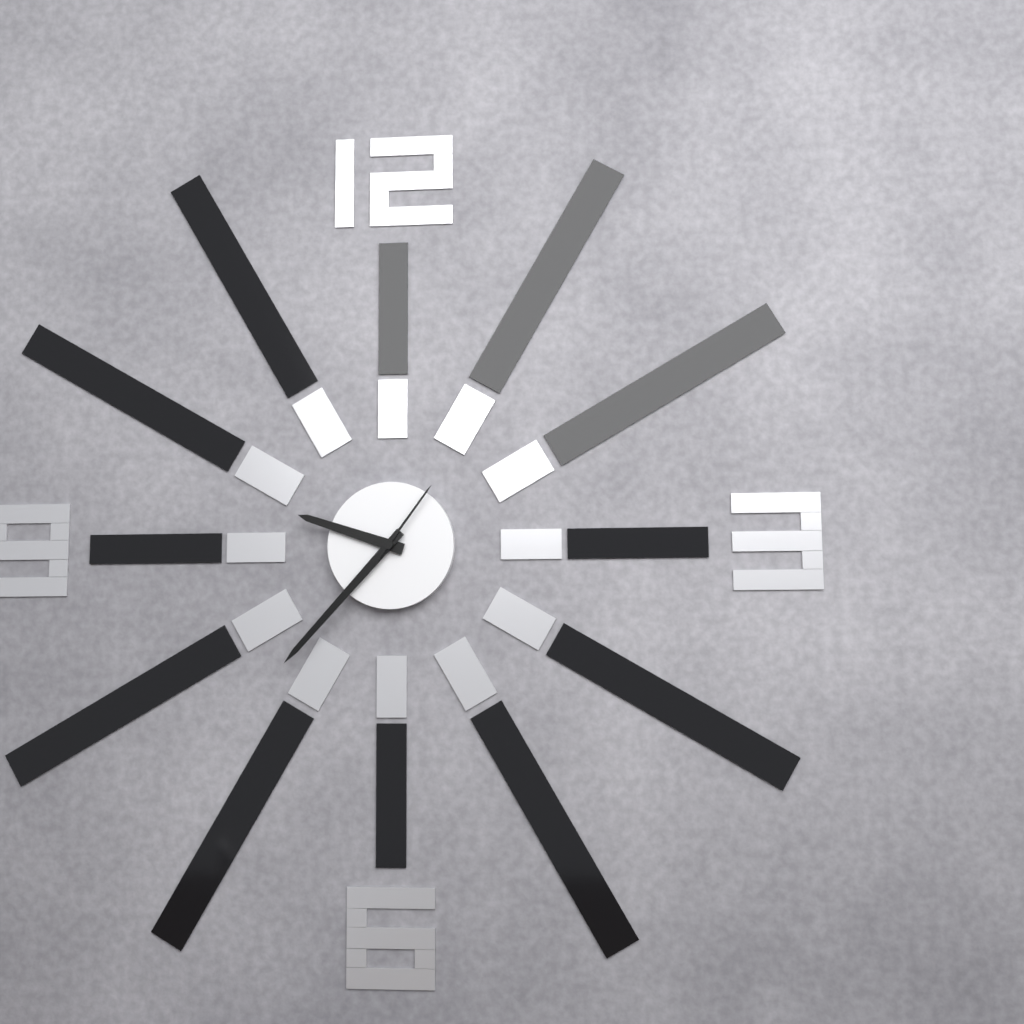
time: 9:37:06
